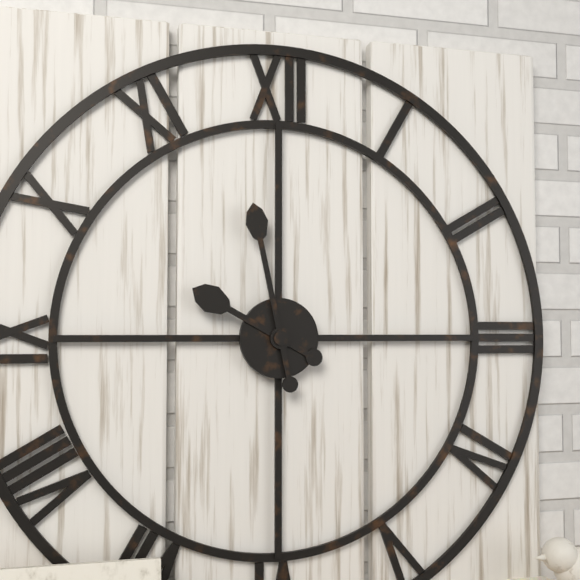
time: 9:58
